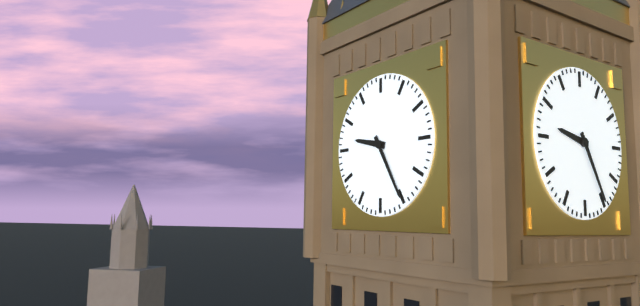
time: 9:25
